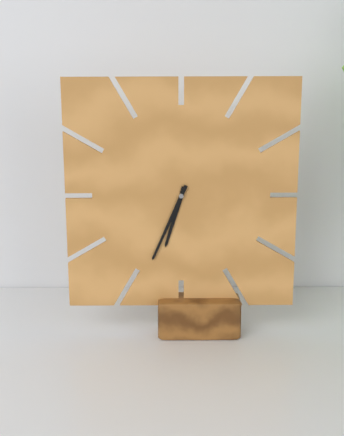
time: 6:34
